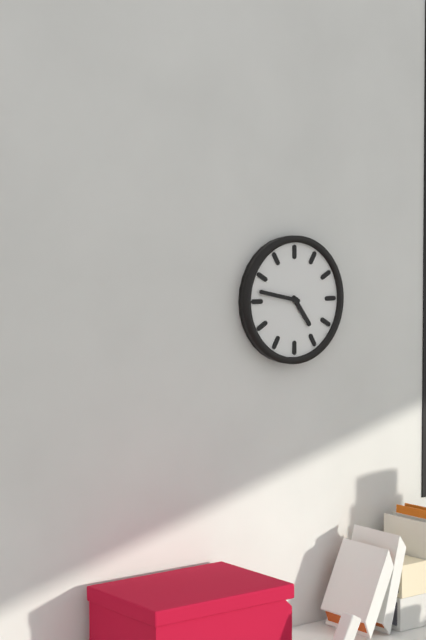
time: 4:47
